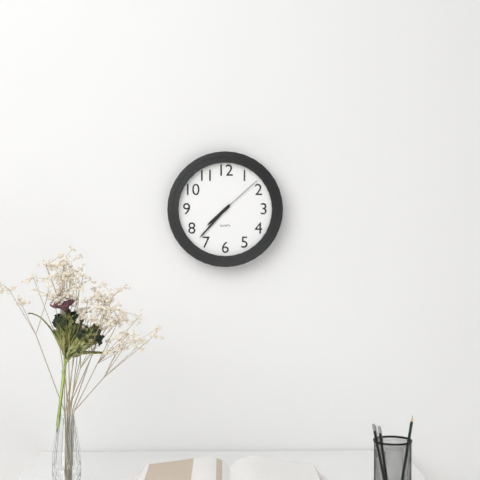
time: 7:37:08
